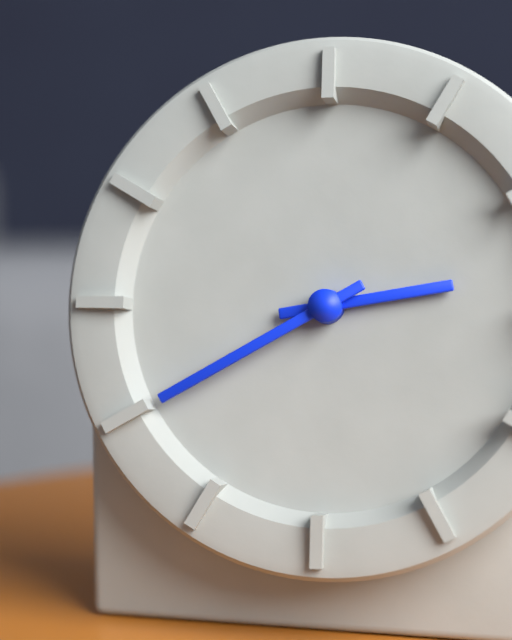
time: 2:40
